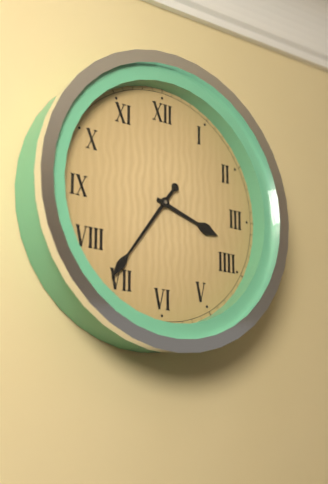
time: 3:36
